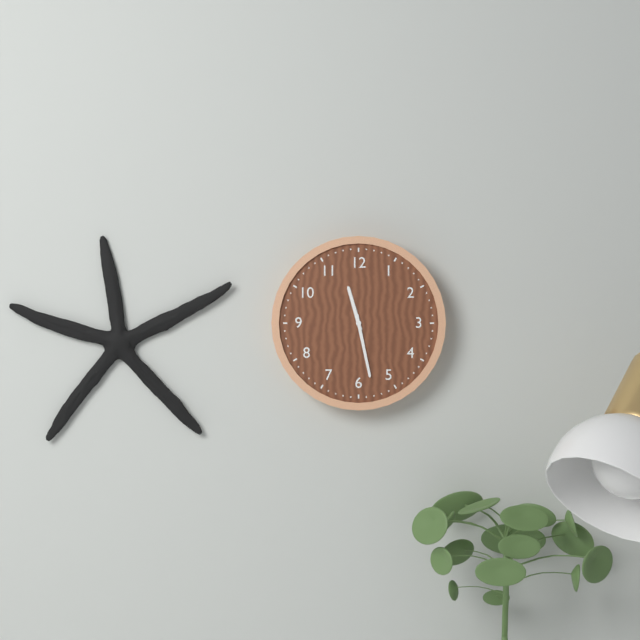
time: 11:28
